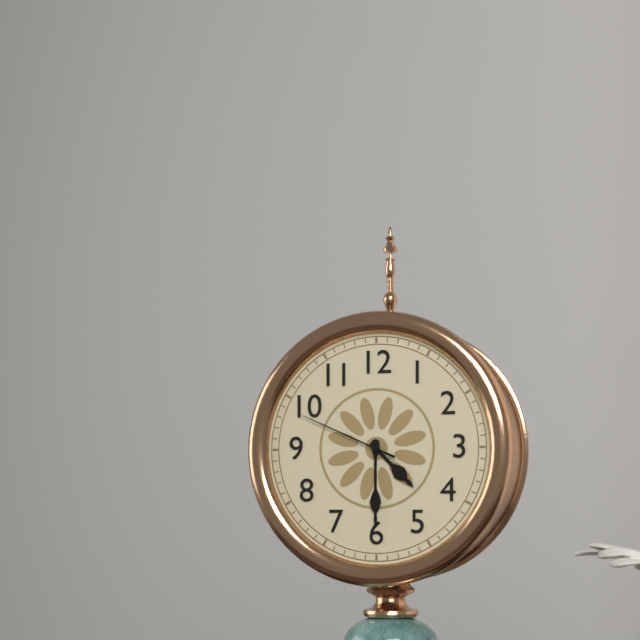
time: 4:30:49
